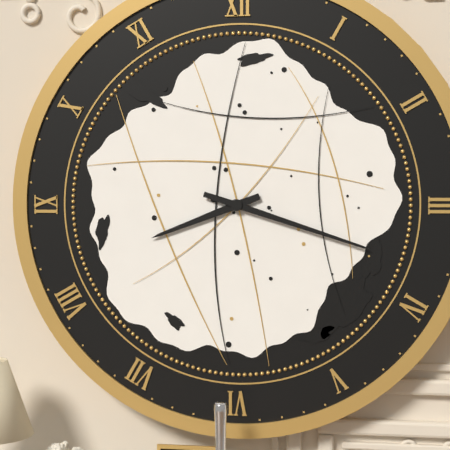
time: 8:18
